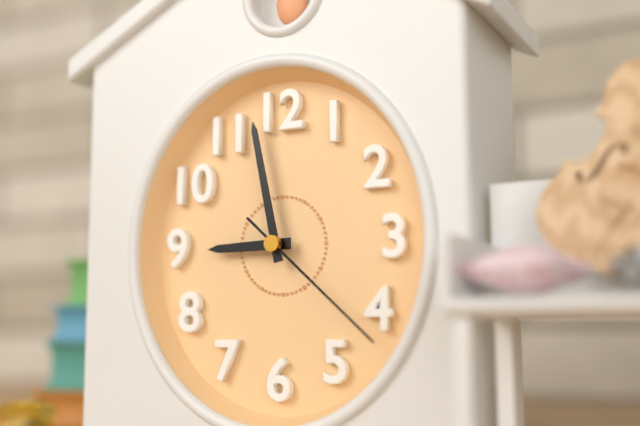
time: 8:58:22
